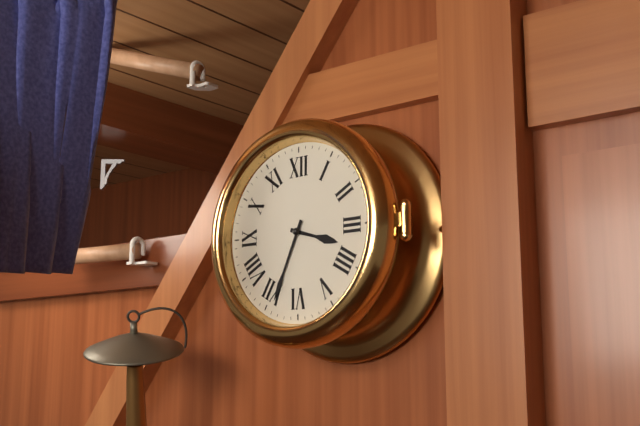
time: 3:34
